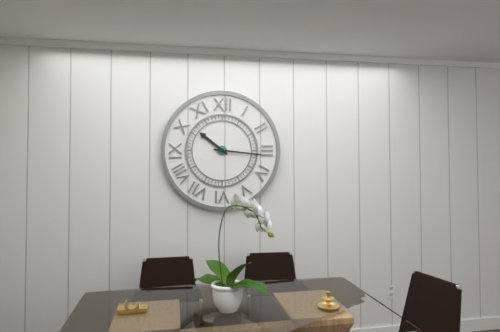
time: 10:16
